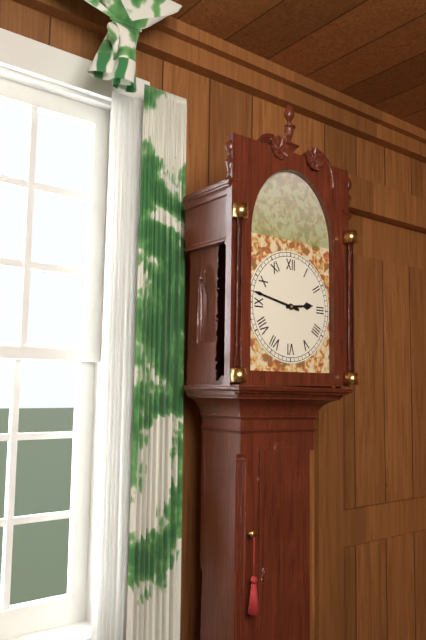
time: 2:47
